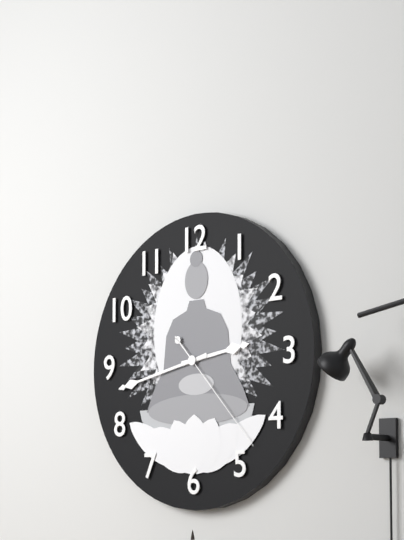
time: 2:43:23
